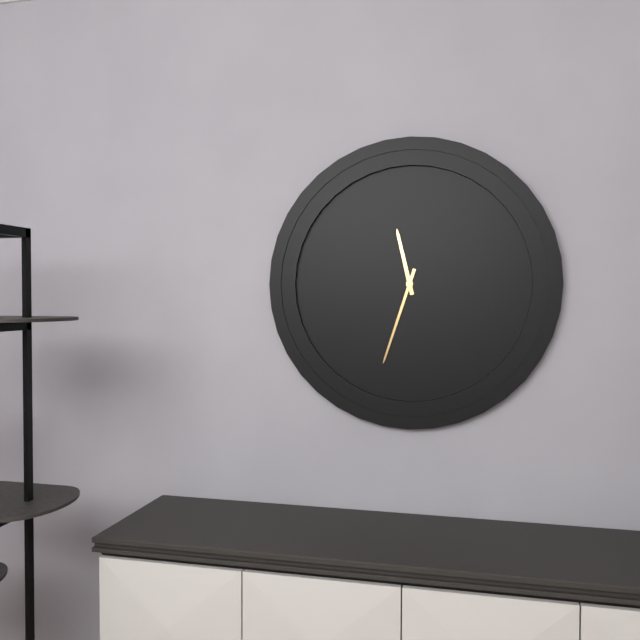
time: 11:33
